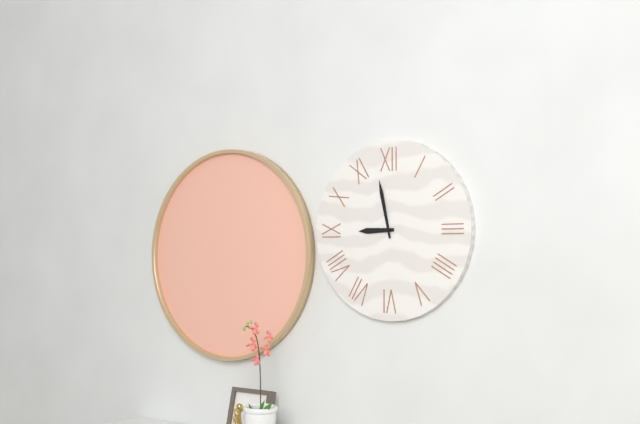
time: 8:58
